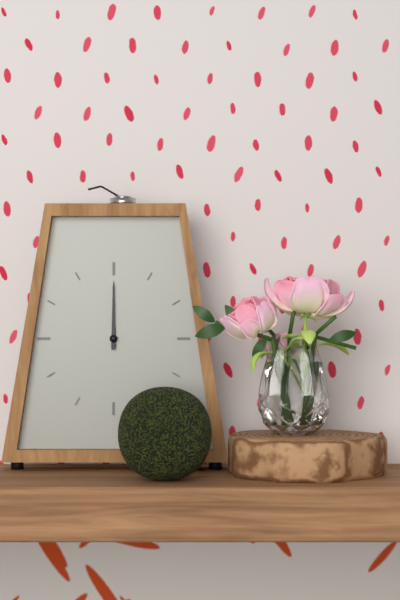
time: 12:00
